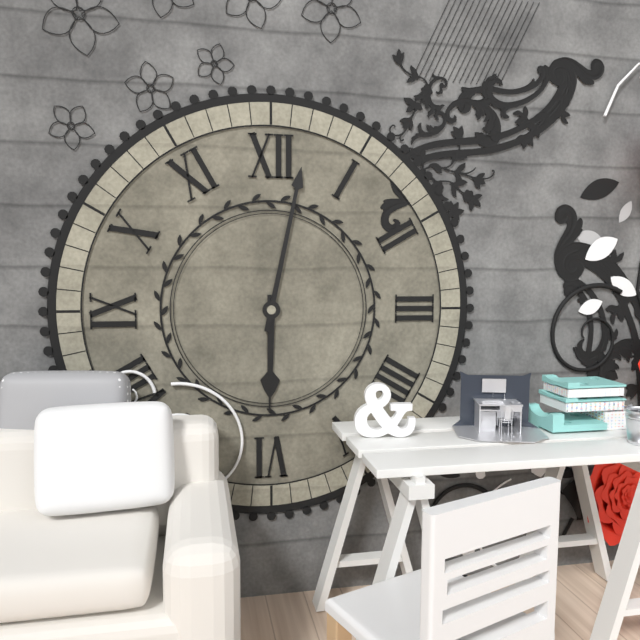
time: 6:02
